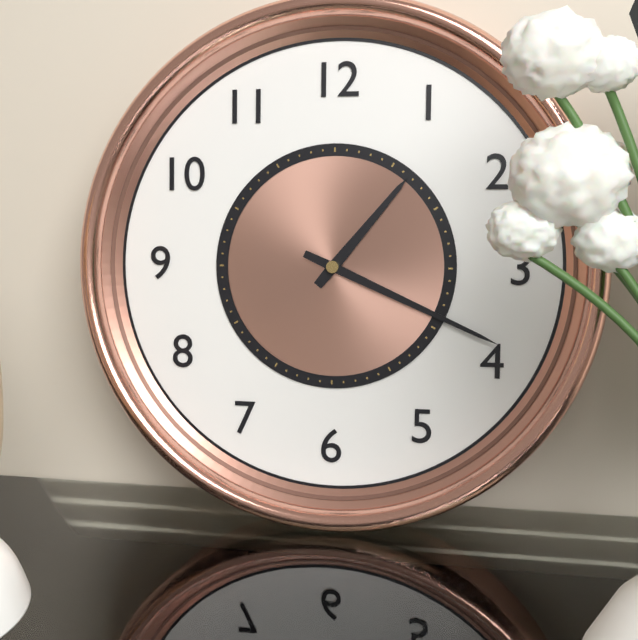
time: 1:19
